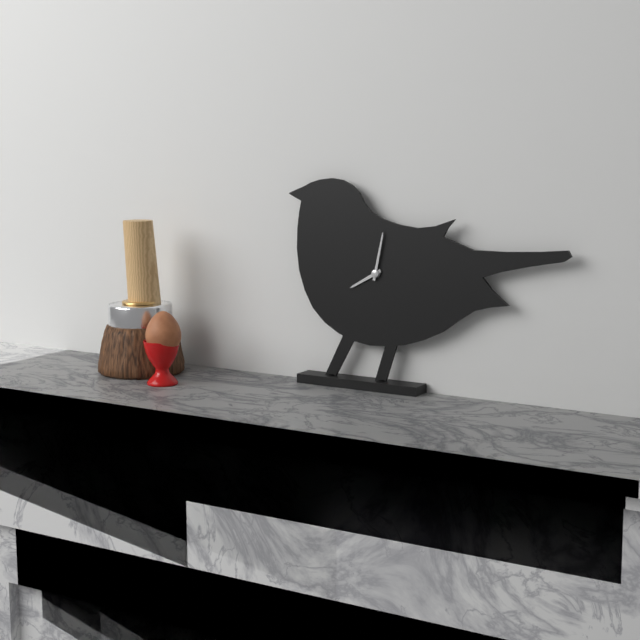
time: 8:02
